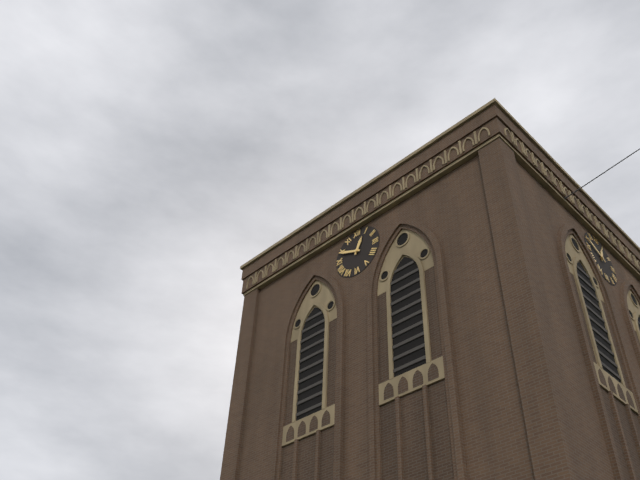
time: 12:49
